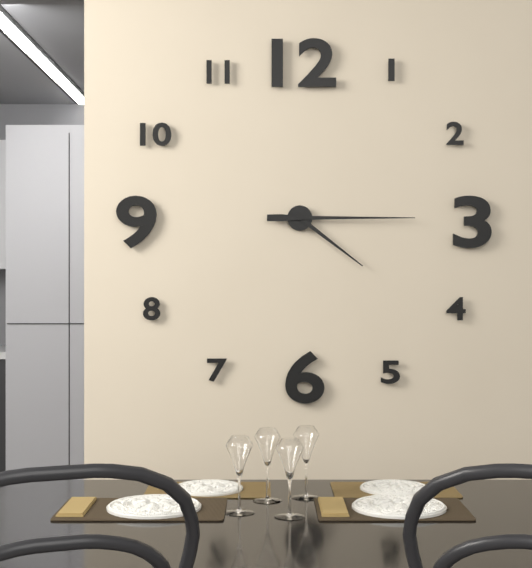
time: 4:15
